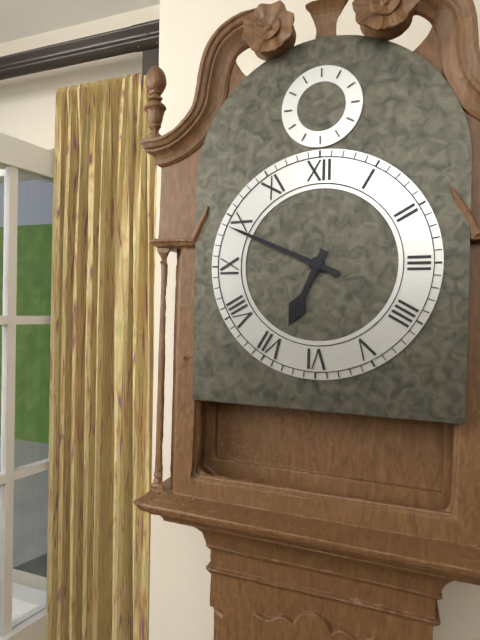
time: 6:49
